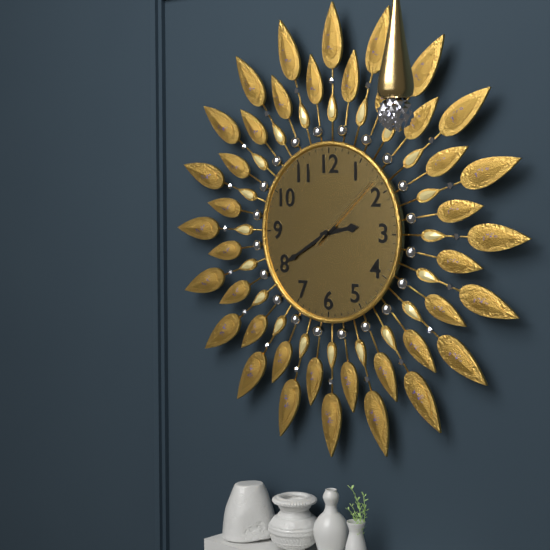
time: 2:40:08
